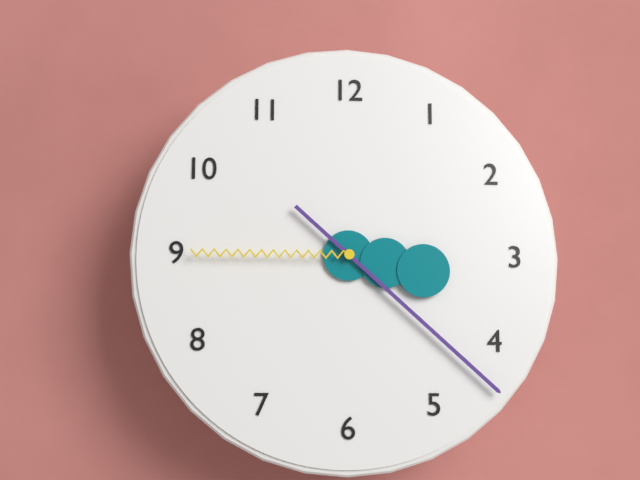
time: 3:22:45
